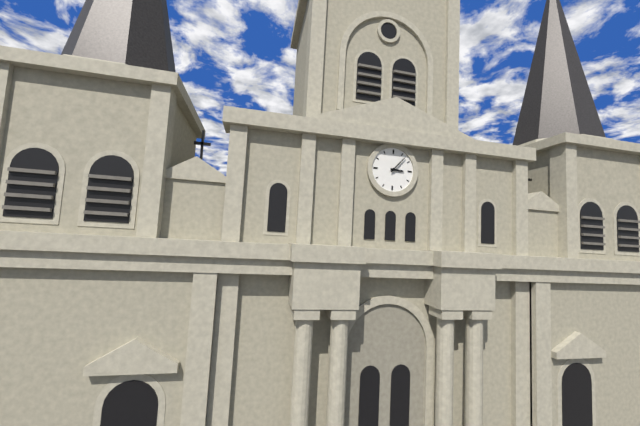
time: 3:07
